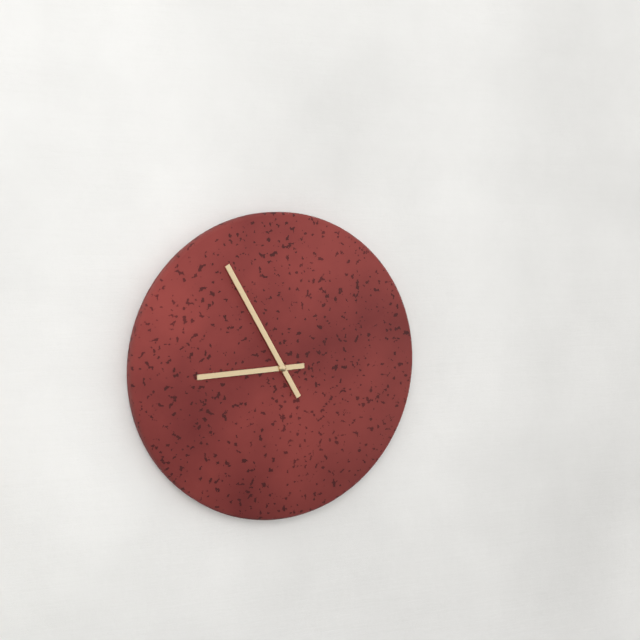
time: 8:55
